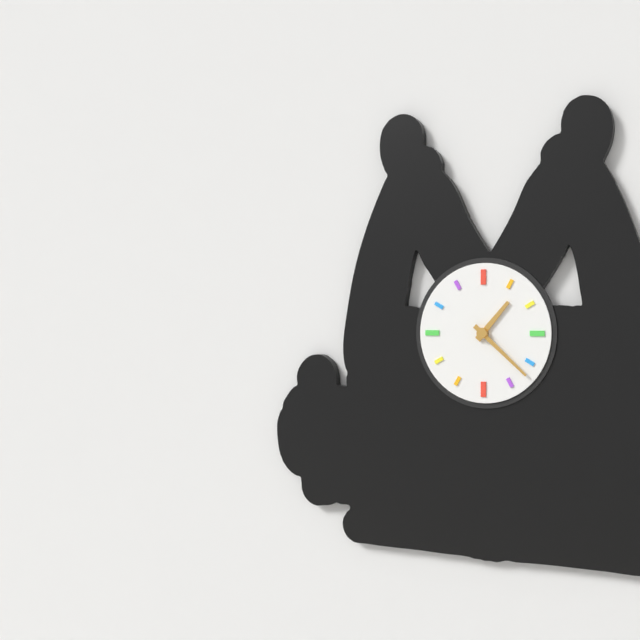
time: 1:22
